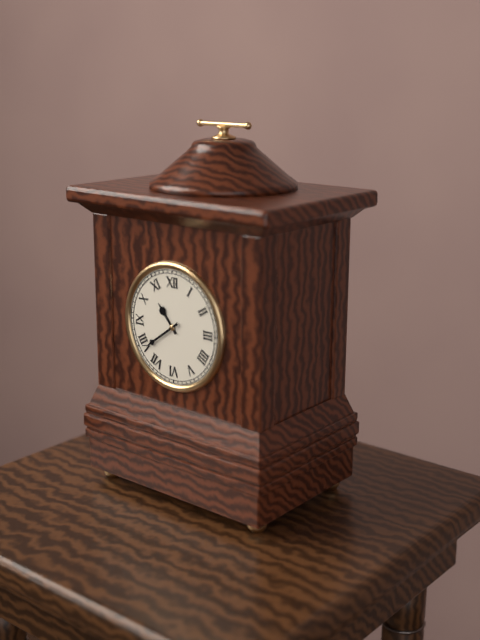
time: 10:39
